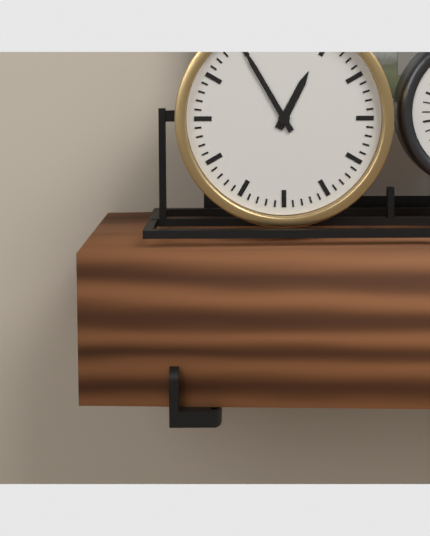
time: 12:55
